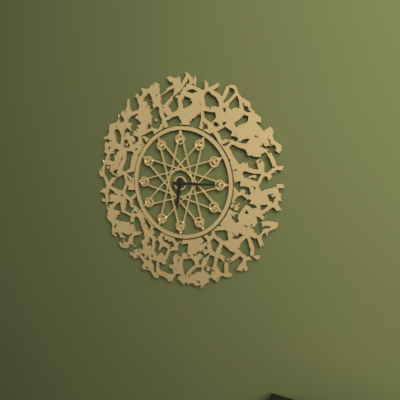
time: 6:15
